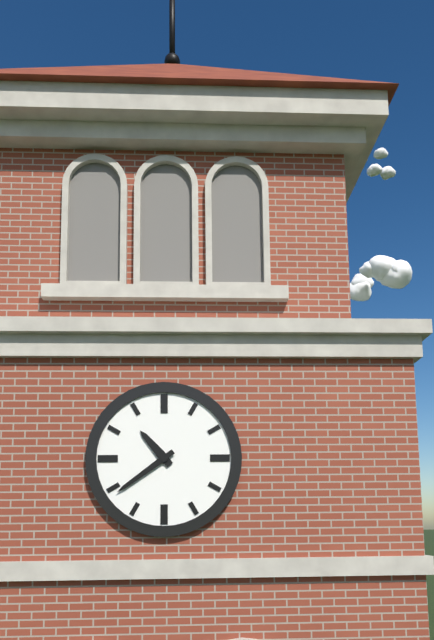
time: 10:39
